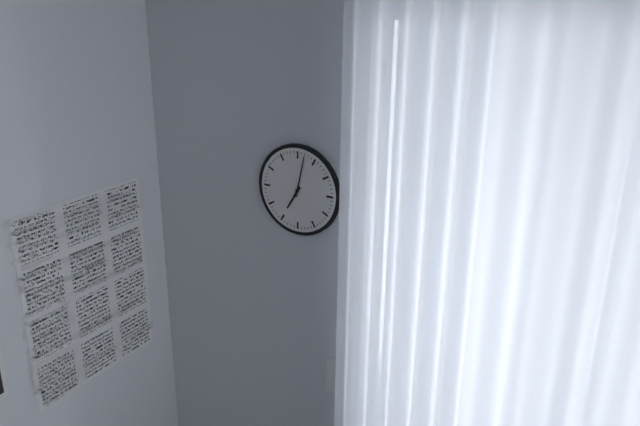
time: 7:02
